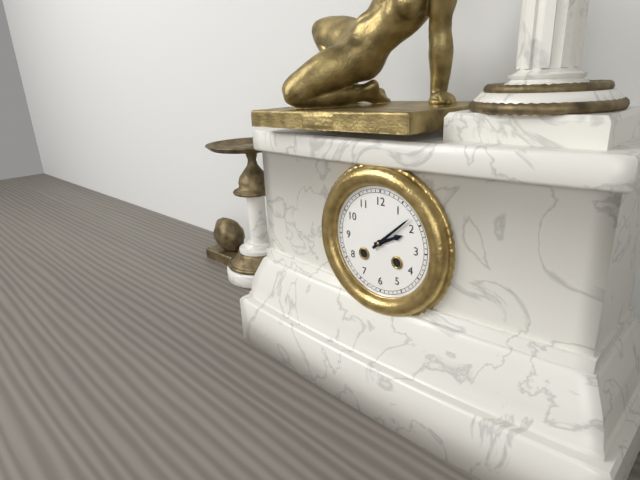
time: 2:08
